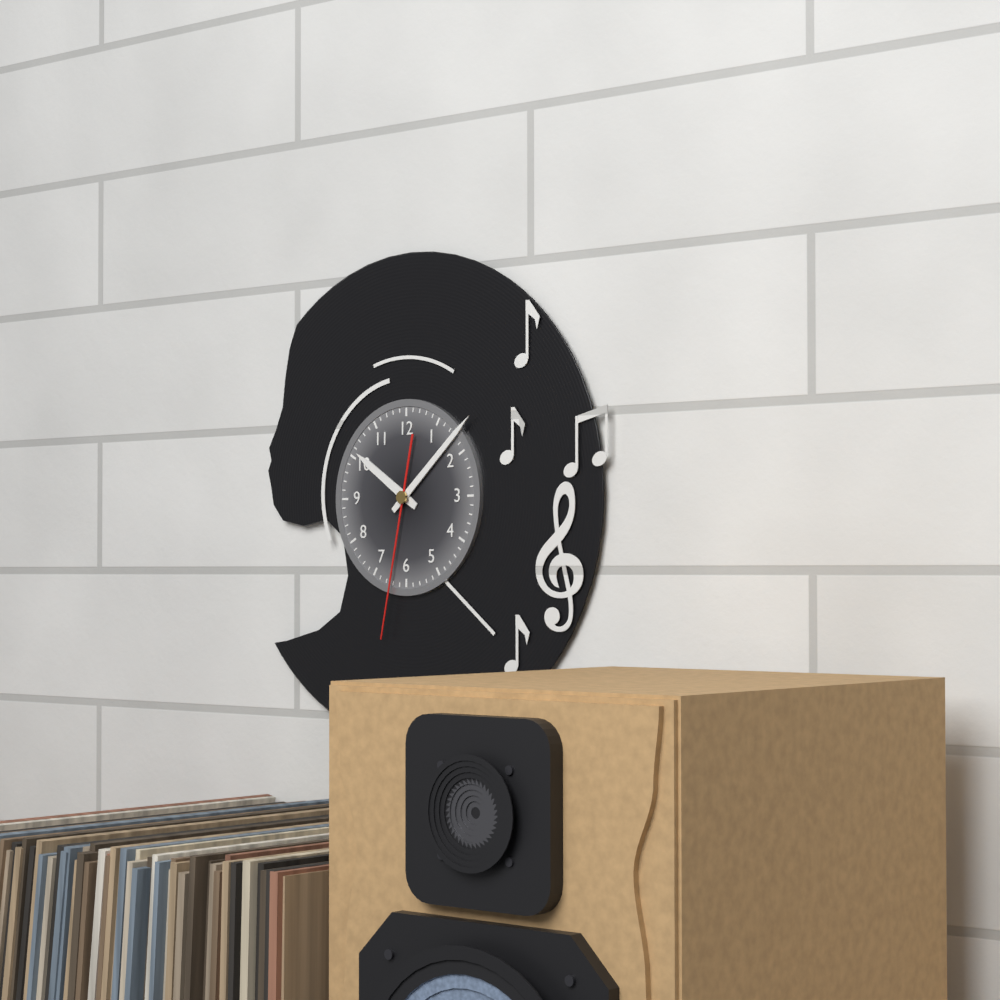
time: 10:08:32
